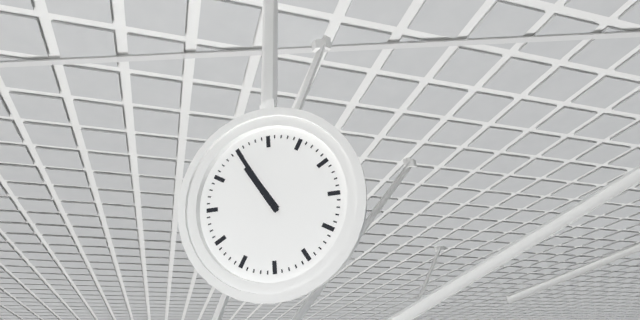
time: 10:55
